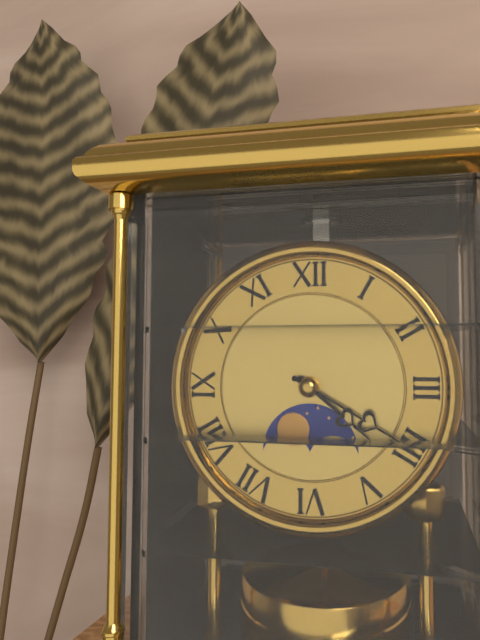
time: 4:20
